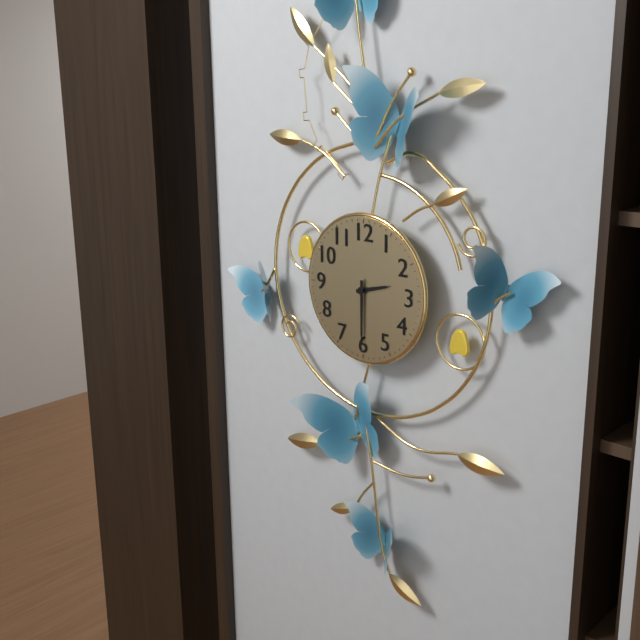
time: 2:30
